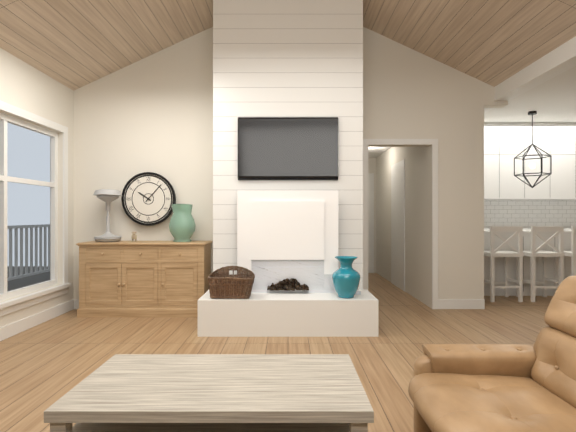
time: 10:07
